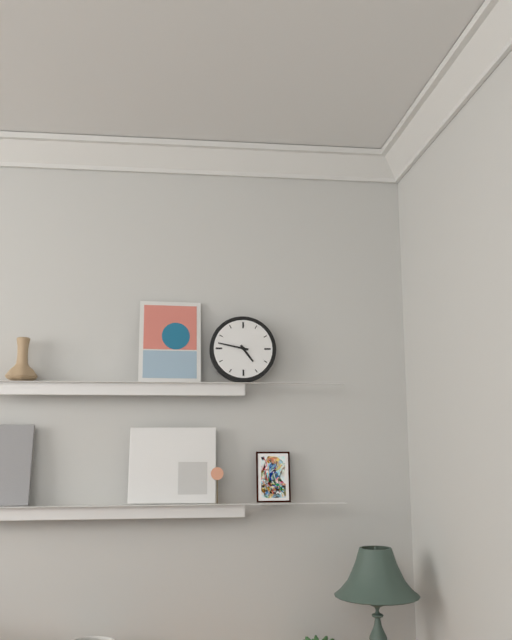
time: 4:47
